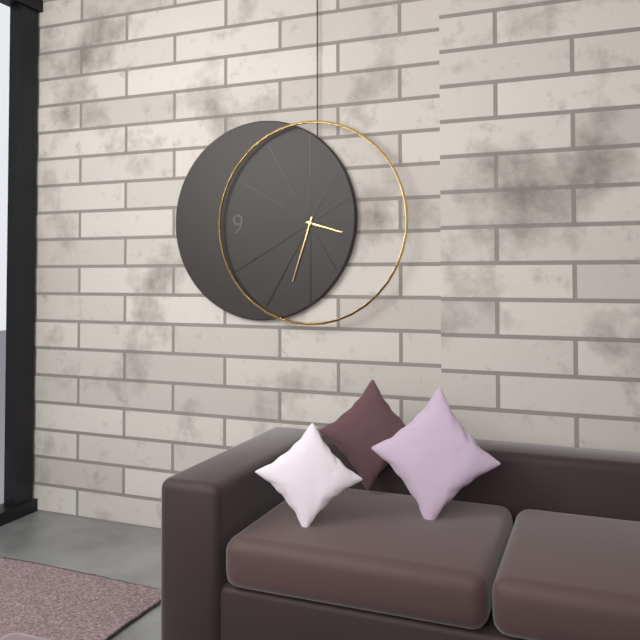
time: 3:33
